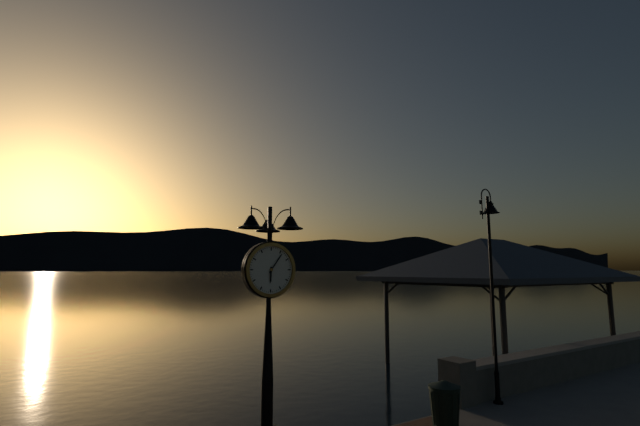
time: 6:06
